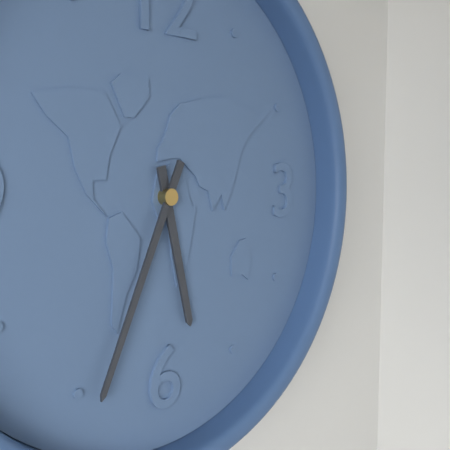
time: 5:34
